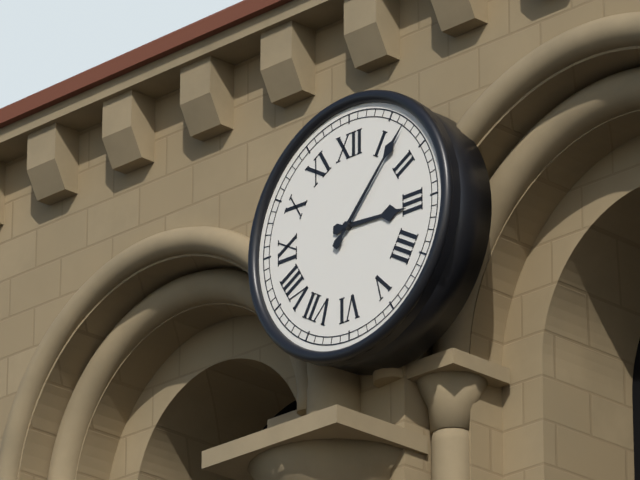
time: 3:07
